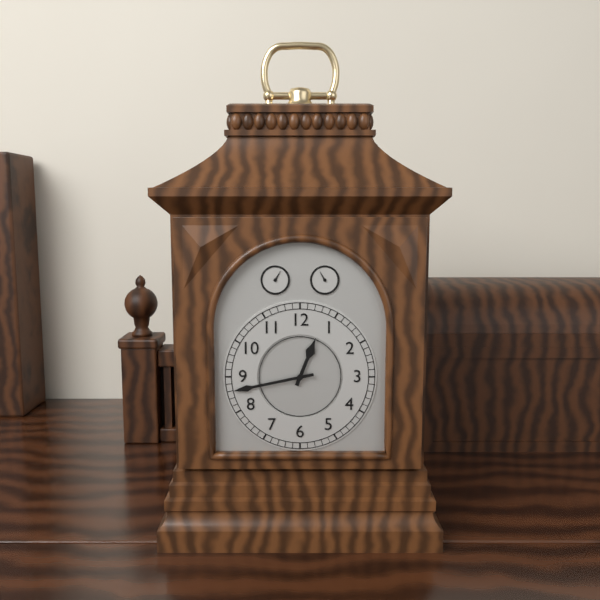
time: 12:43
